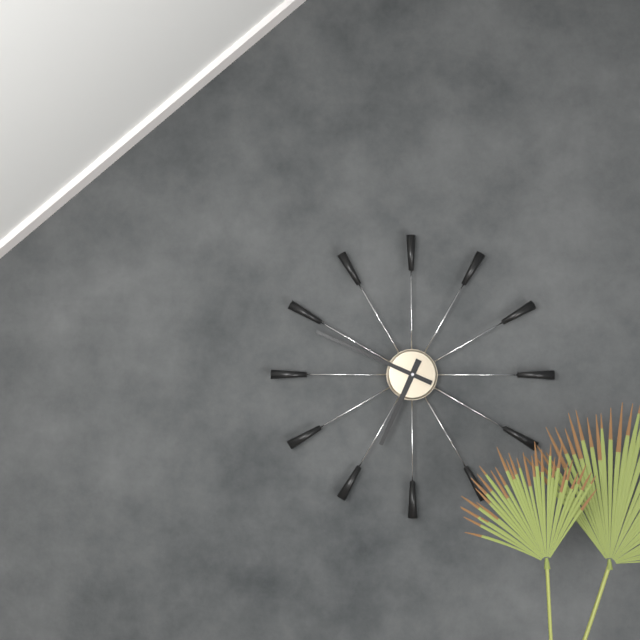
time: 6:49
